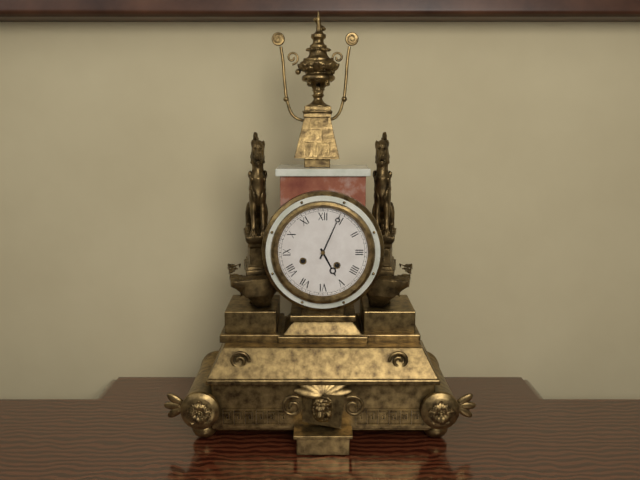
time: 5:04
